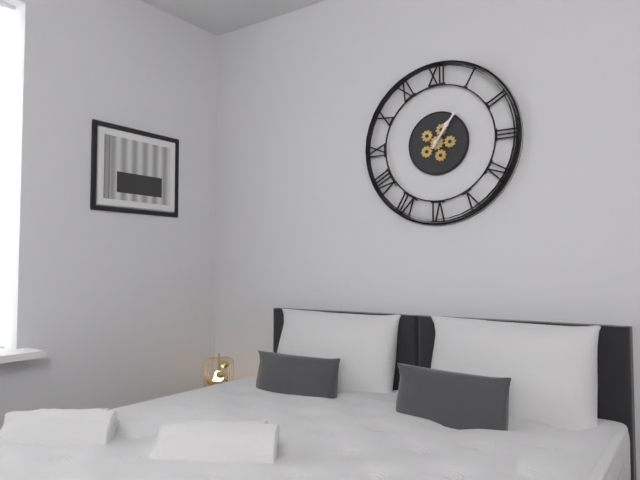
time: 1:06
